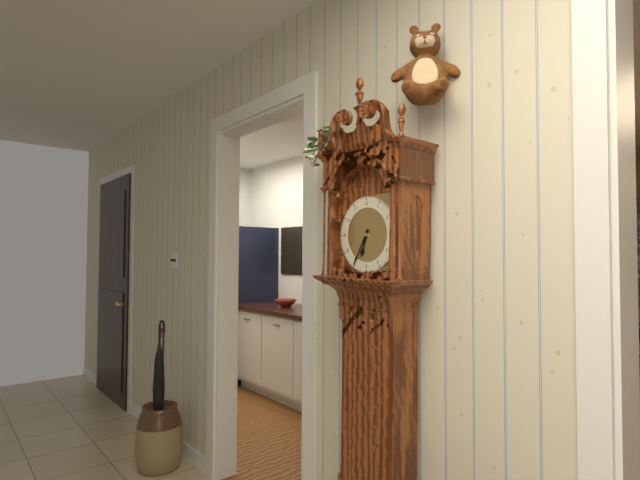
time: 6:35
